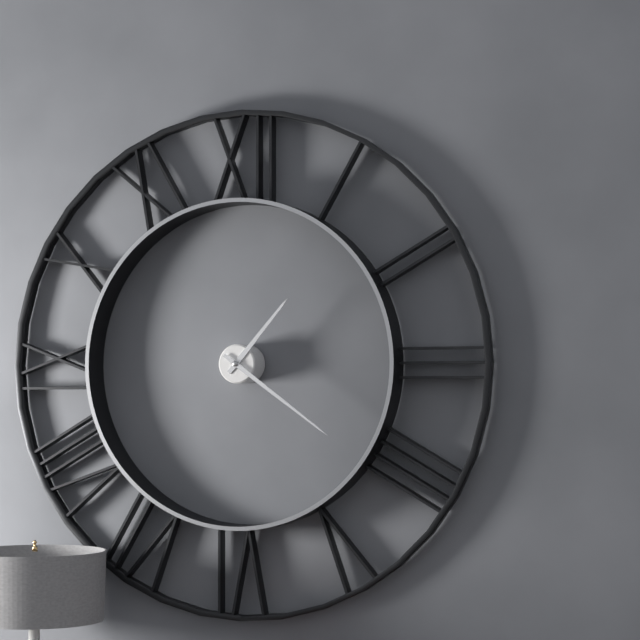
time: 1:21
